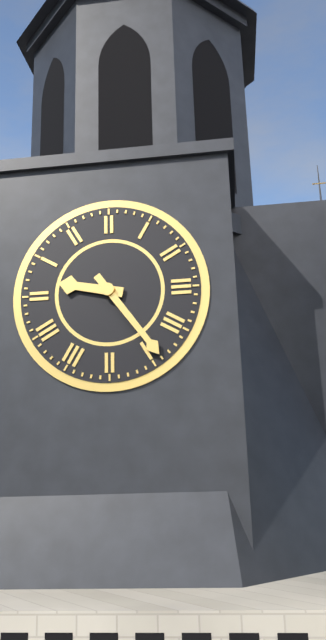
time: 9:24
